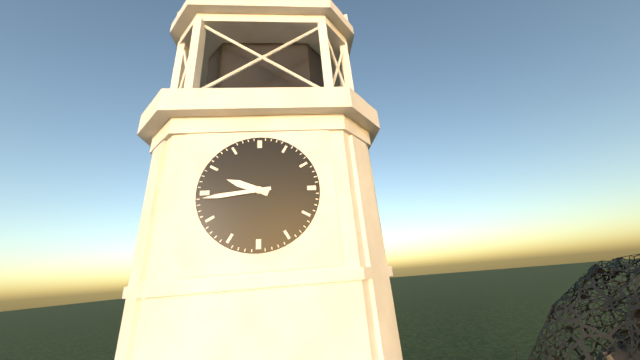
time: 9:44
